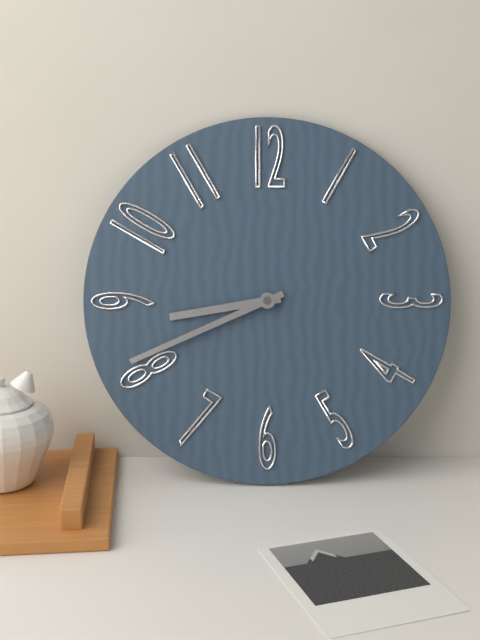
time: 8:41
